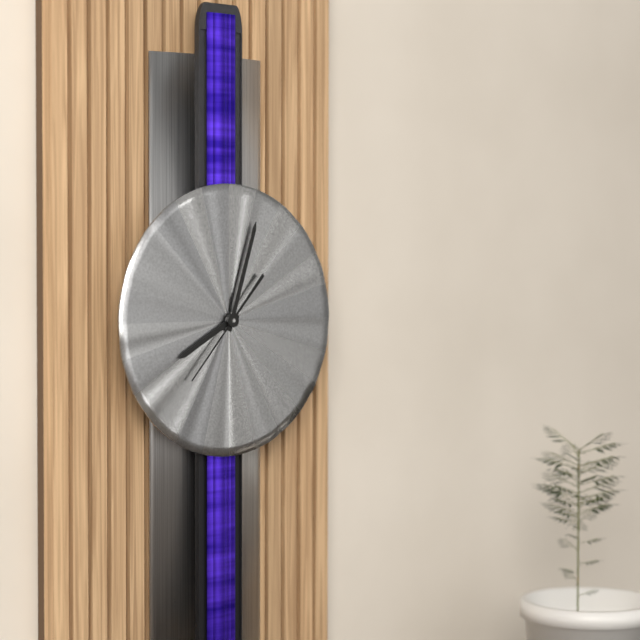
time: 8:03:37
